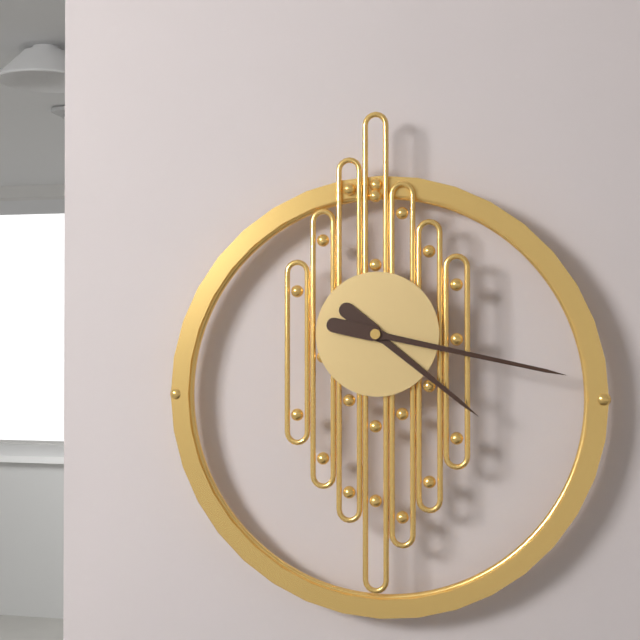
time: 4:17
